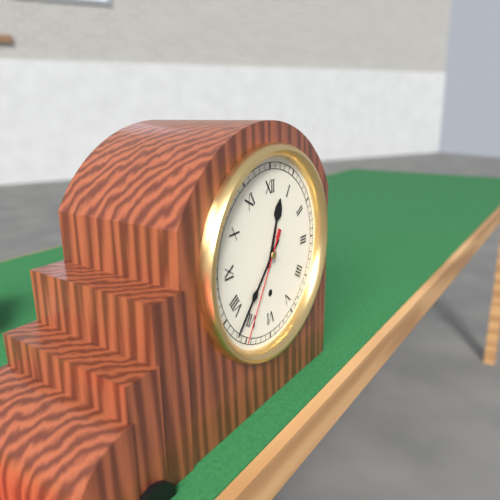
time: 12:37:35
